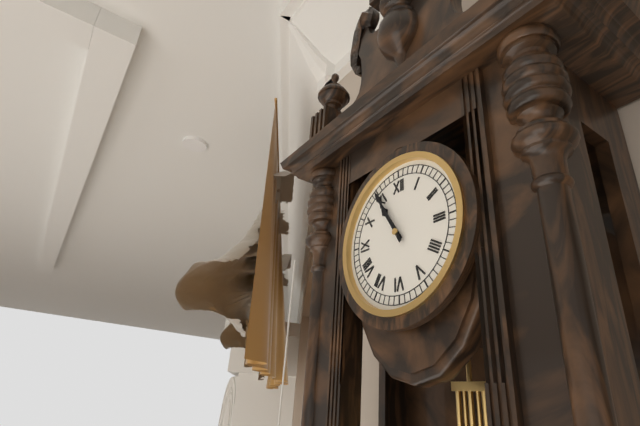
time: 10:55
